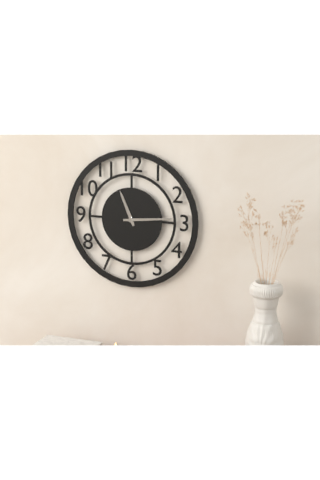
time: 11:14
